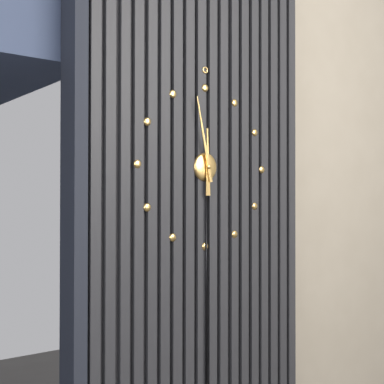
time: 11:58
